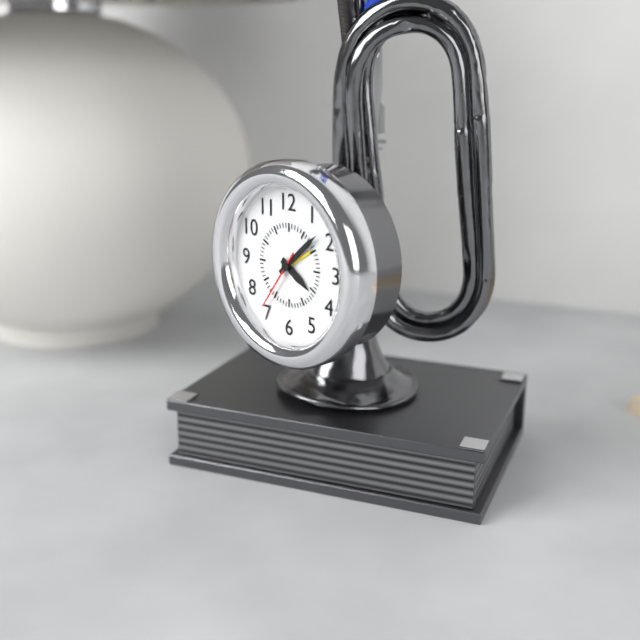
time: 4:08:36
